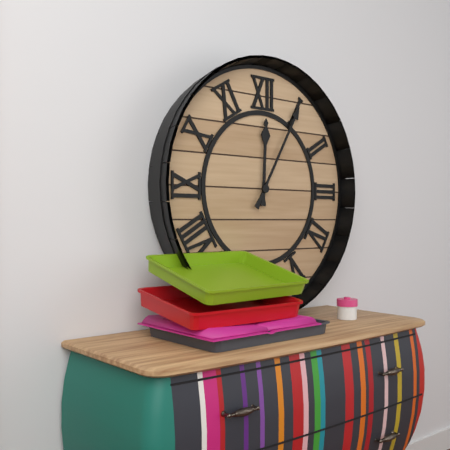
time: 12:05
